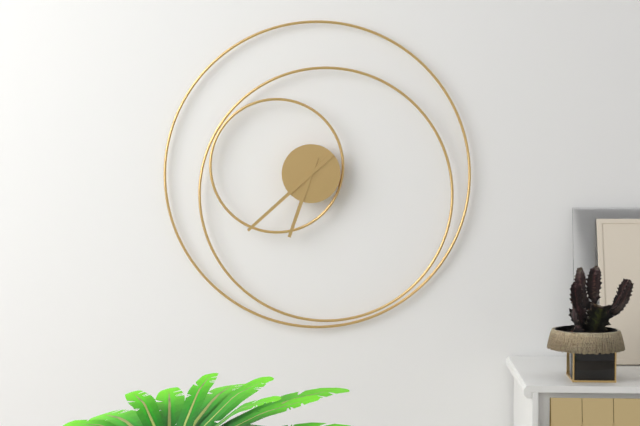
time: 6:38
